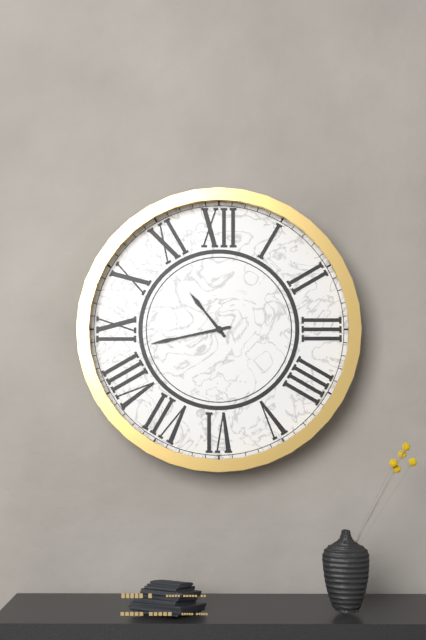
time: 10:43
